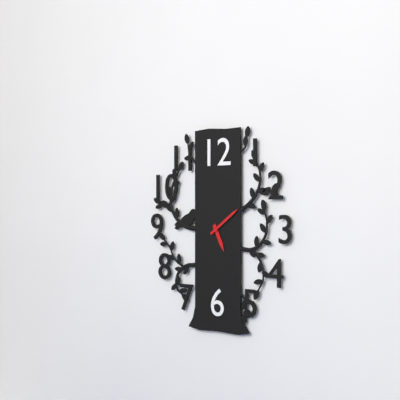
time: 5:09
